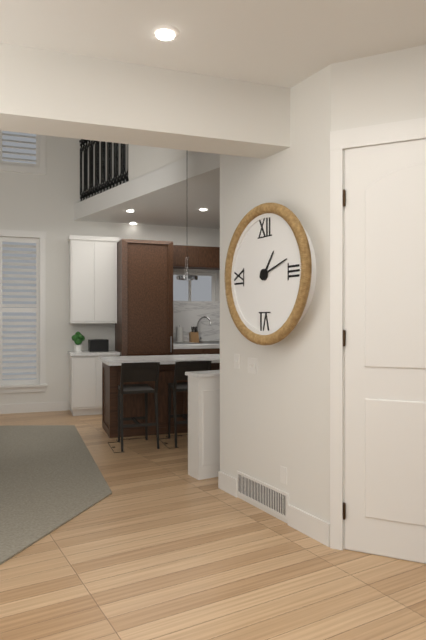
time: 1:12
